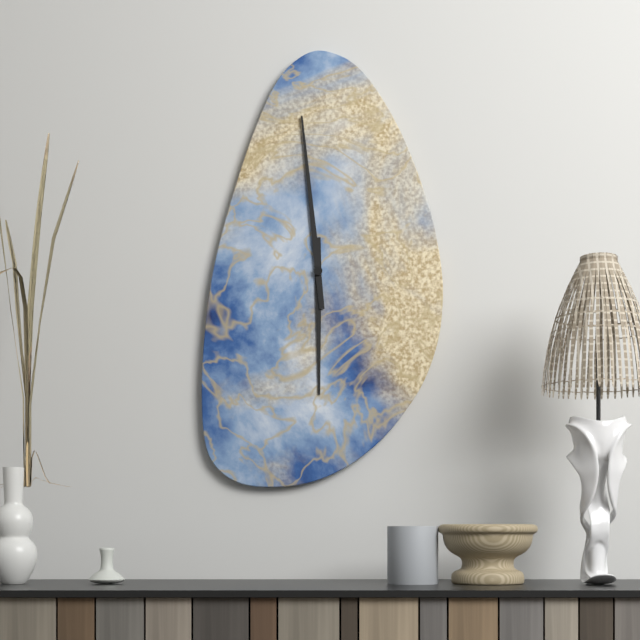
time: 5:59
